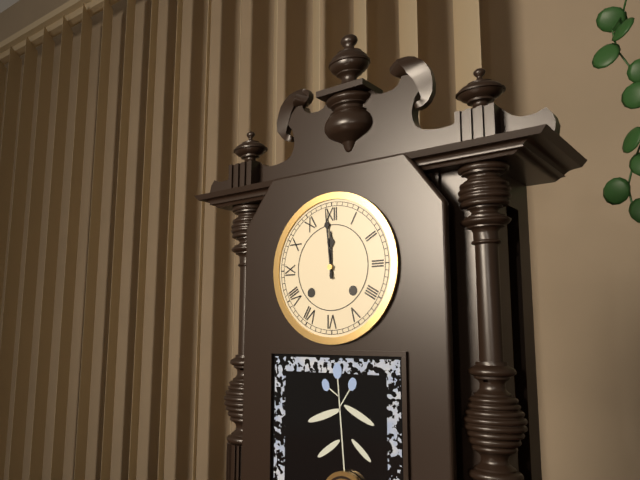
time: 11:59
